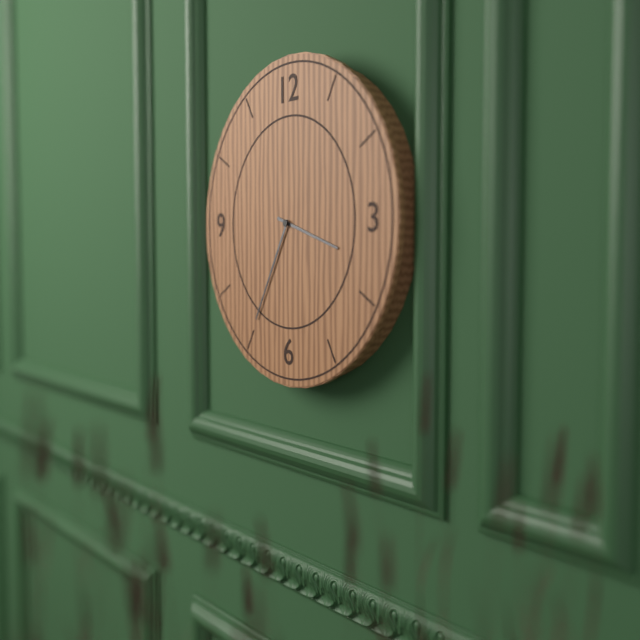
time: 3:35
